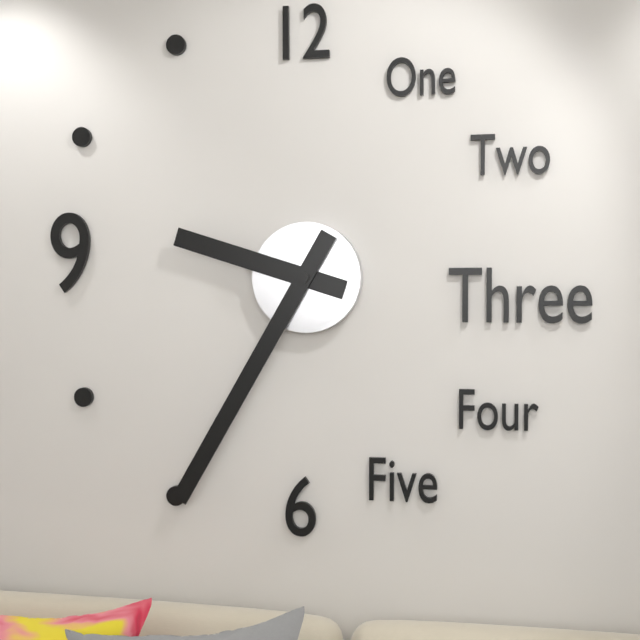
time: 9:35
